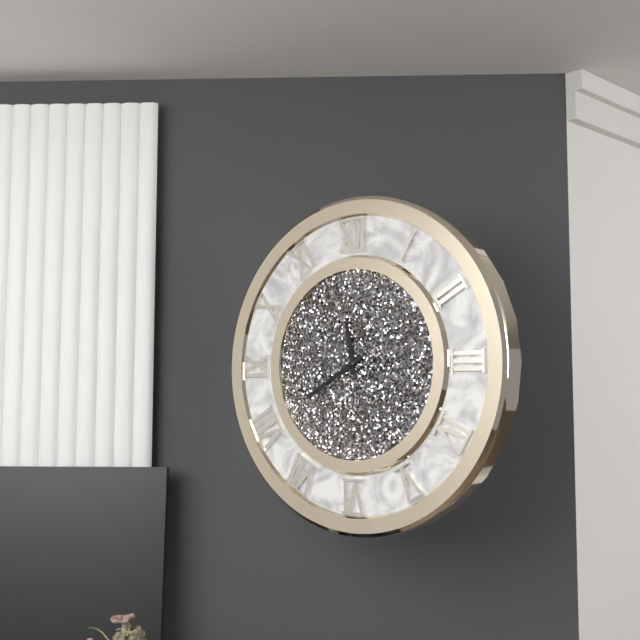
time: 11:40
